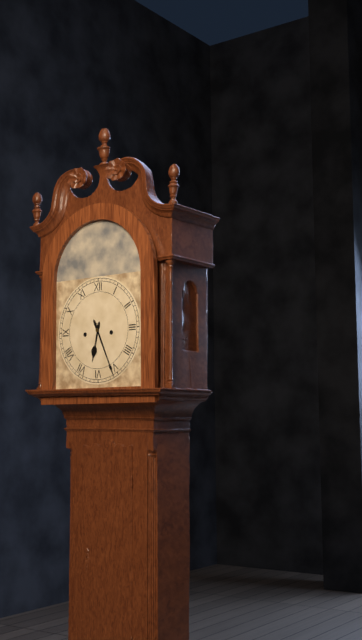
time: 6:26
